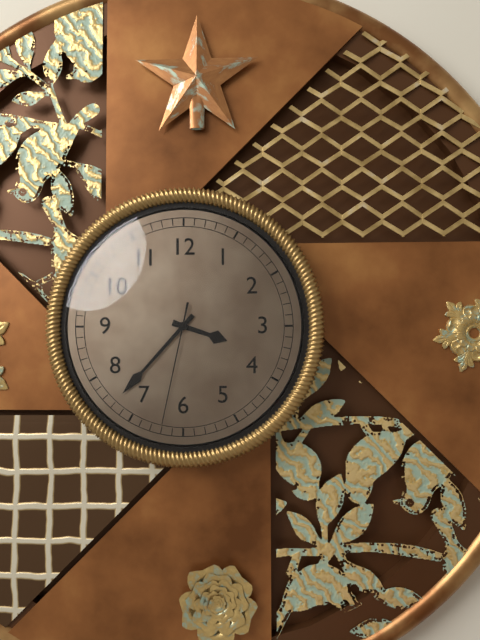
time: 3:37:32
